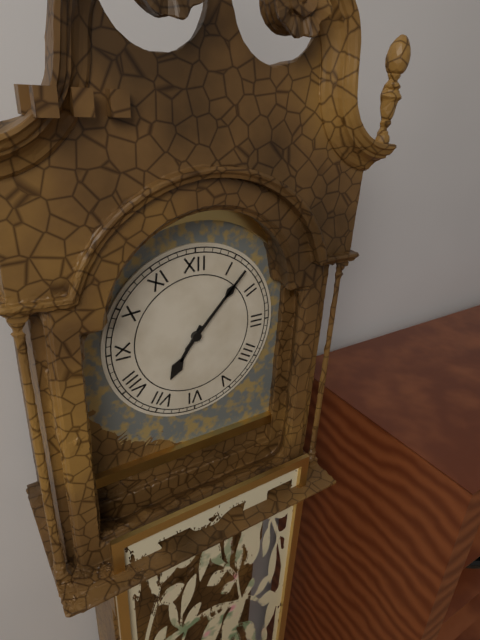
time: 7:07
